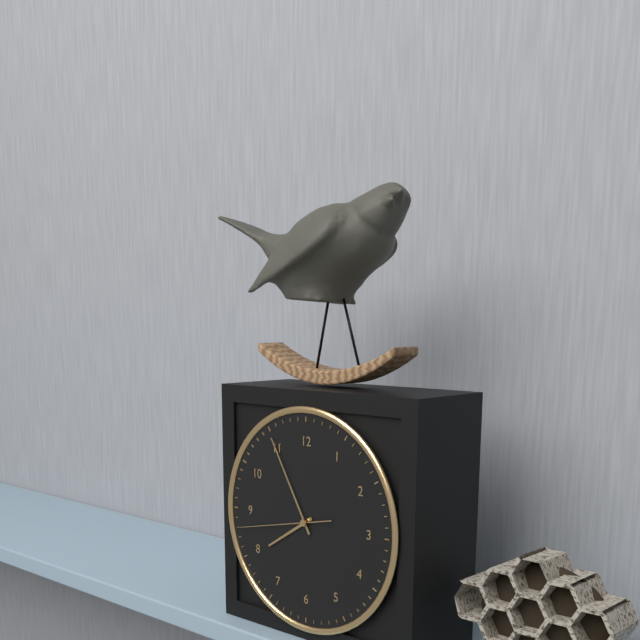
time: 7:55:43
